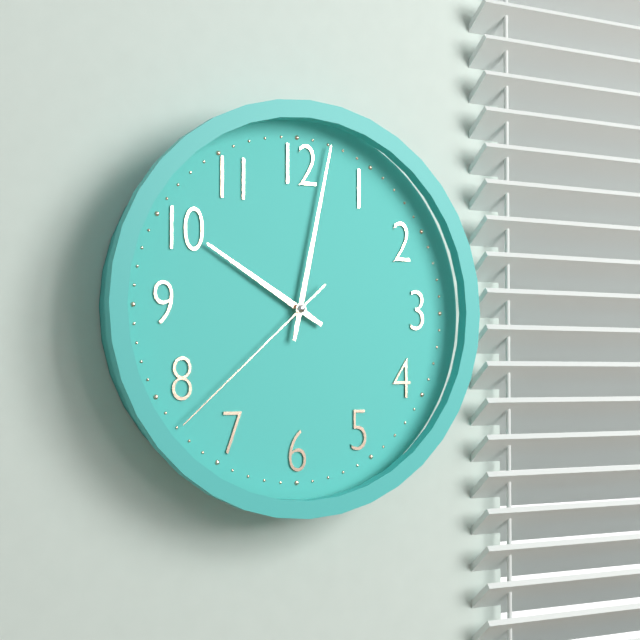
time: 10:02:38
